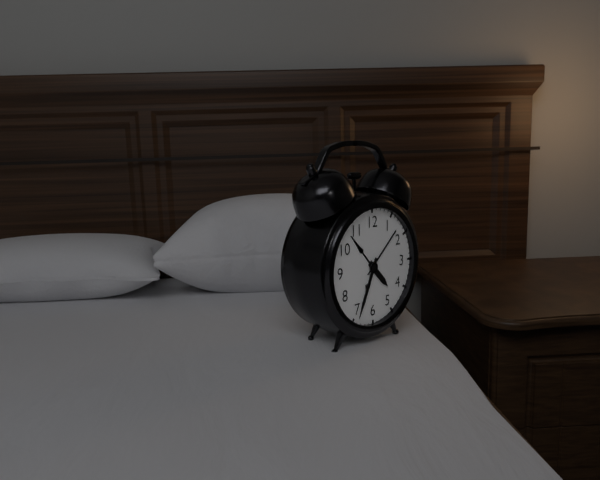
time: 4:34
